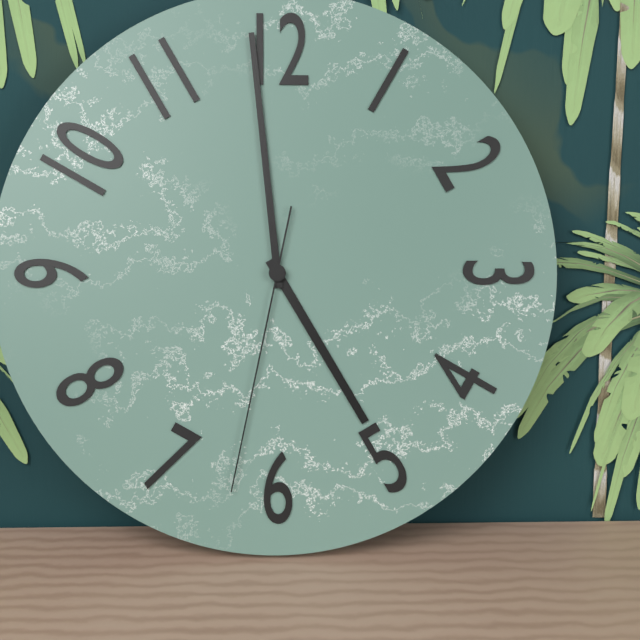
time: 4:59:32
